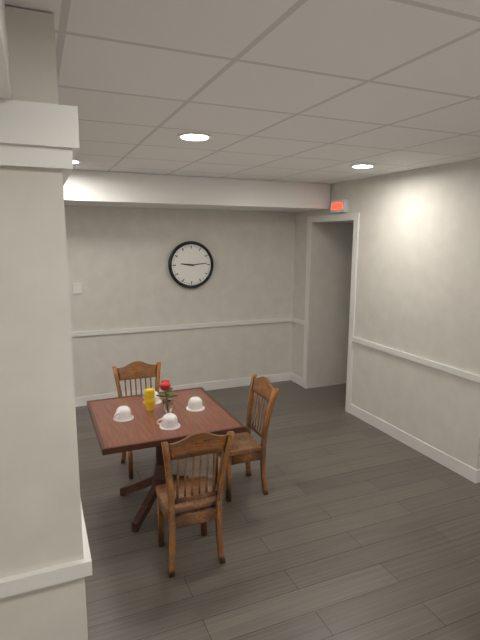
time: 9:14
